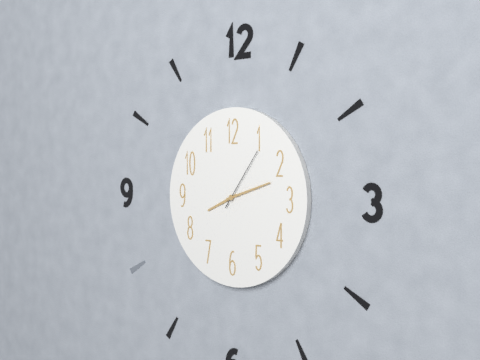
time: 8:12:06
